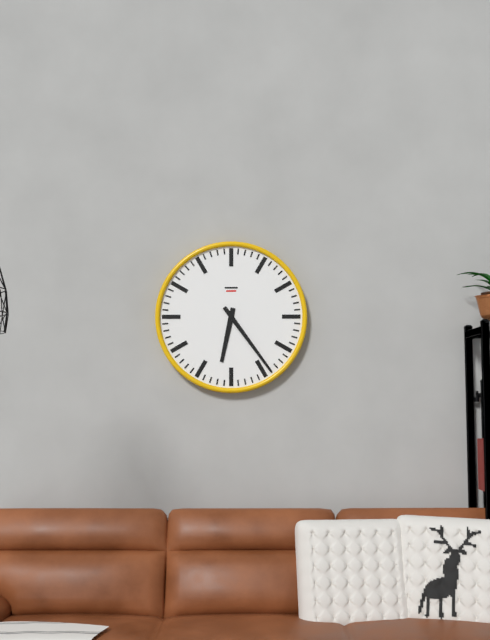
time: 6:24
